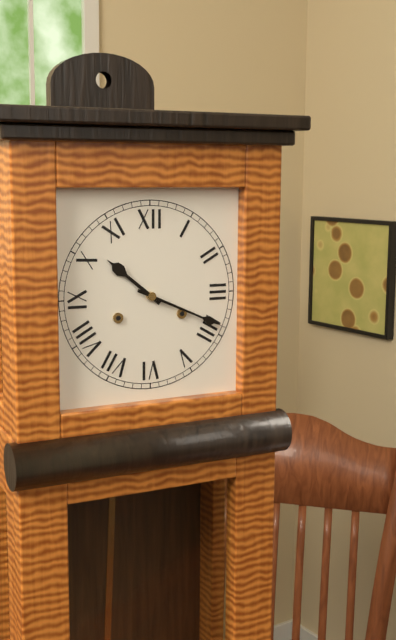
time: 10:19
